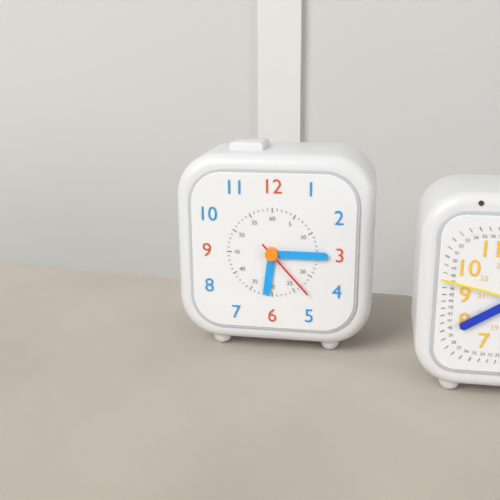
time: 6:15:23
